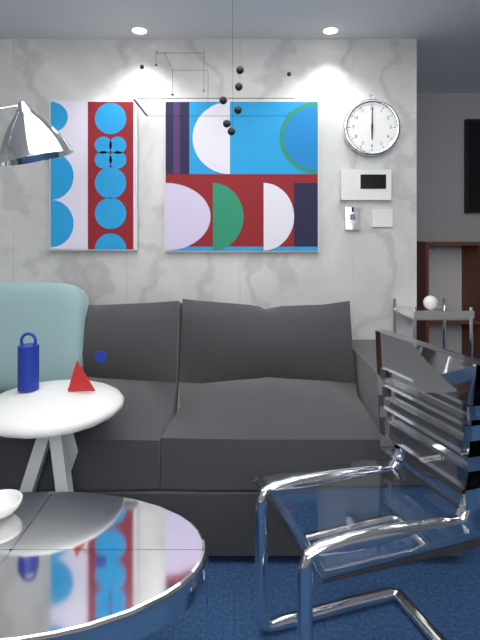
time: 6:00
